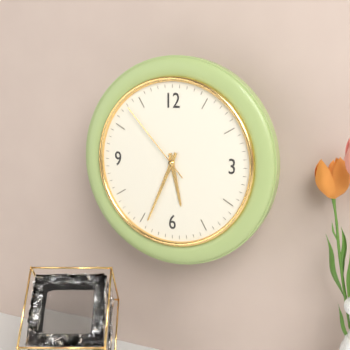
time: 5:34:53
